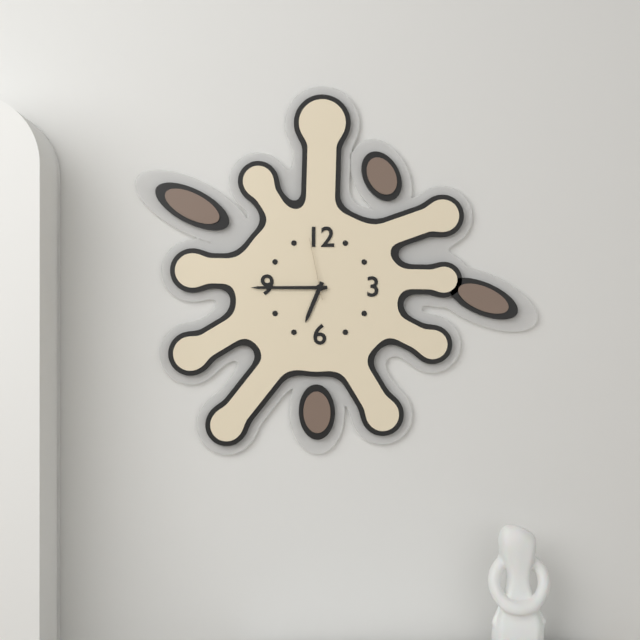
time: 6:45:58
